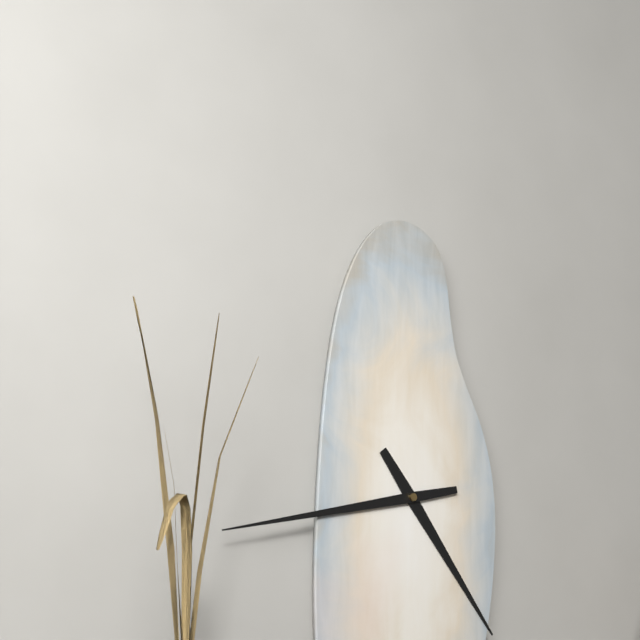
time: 4:43
